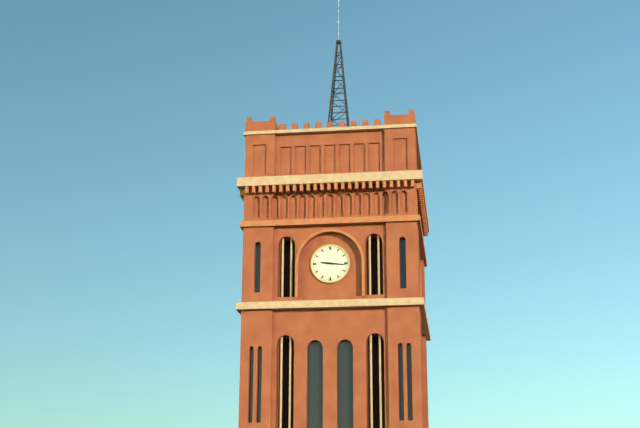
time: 9:16
